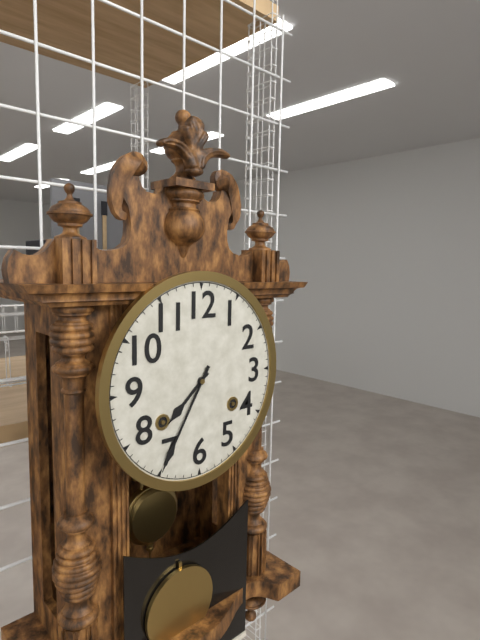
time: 7:35
